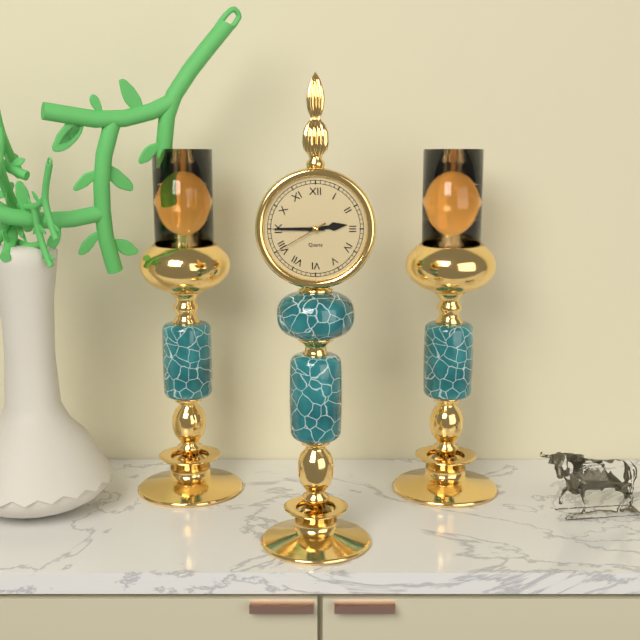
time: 2:45:40
